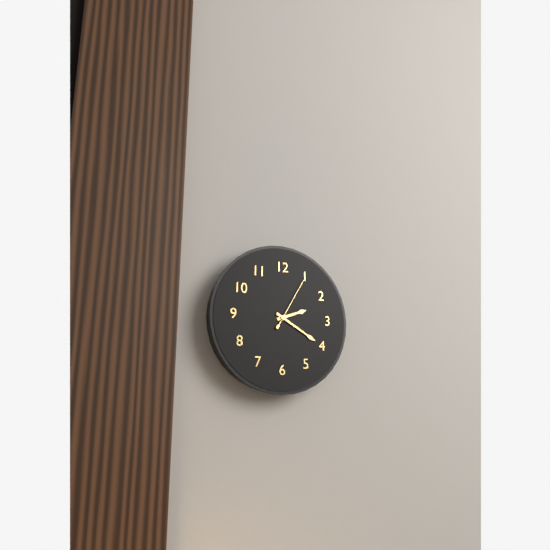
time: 2:20:05
